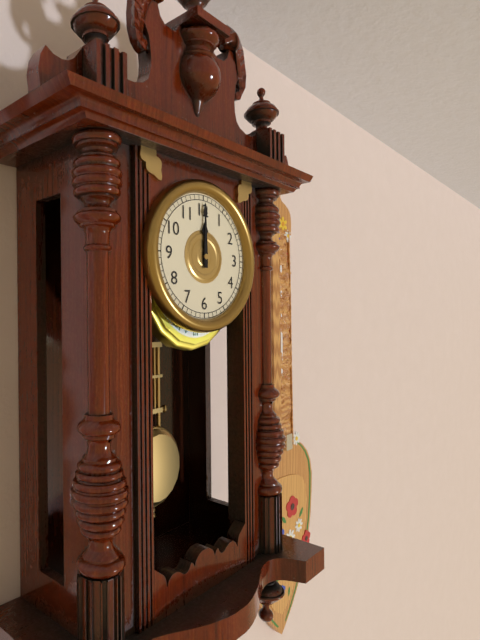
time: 12:00
